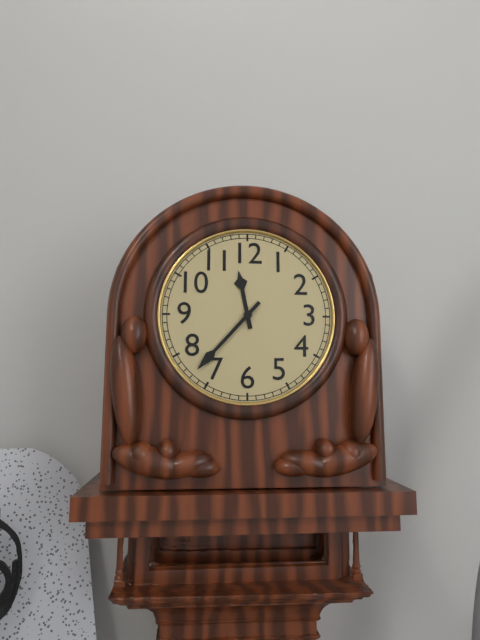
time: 11:37
